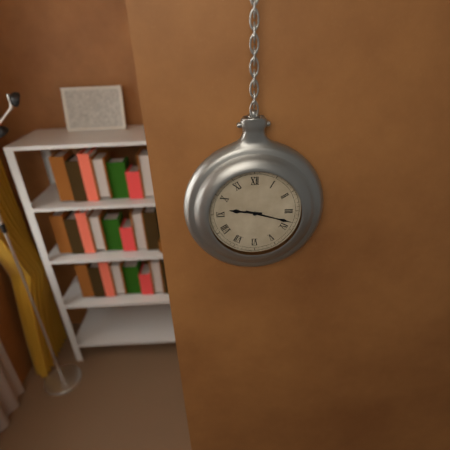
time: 9:18
